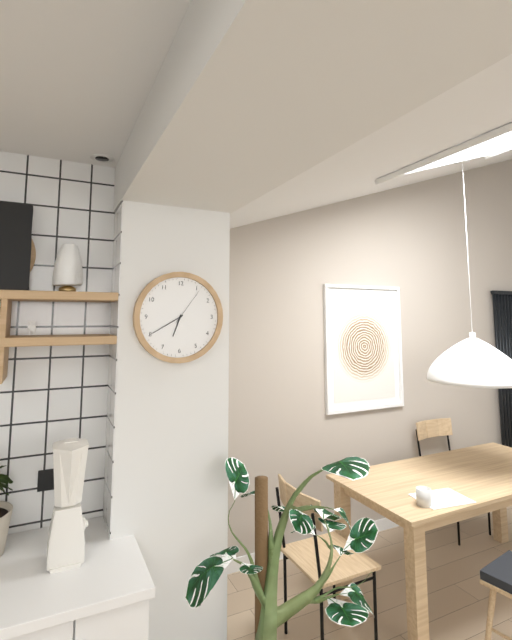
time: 6:40
